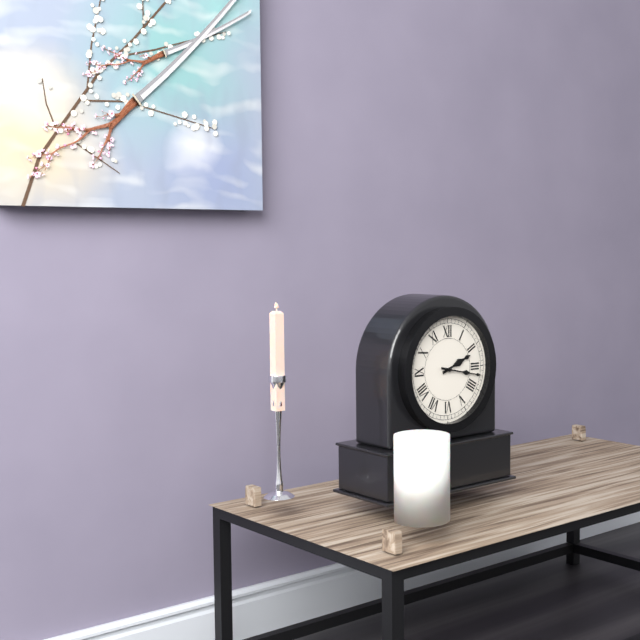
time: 2:17
